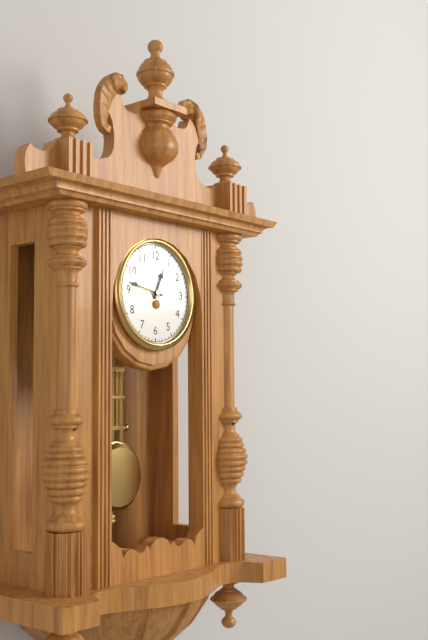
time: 12:47
